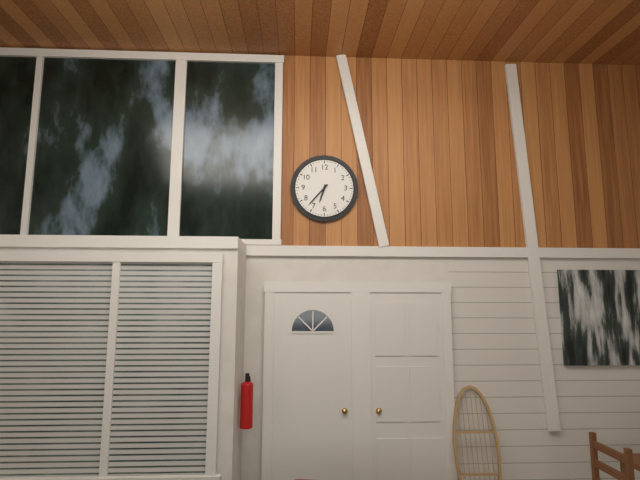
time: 6:37
